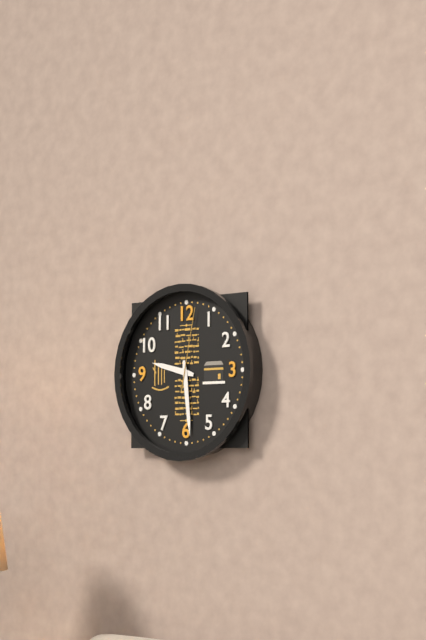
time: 9:29:02
